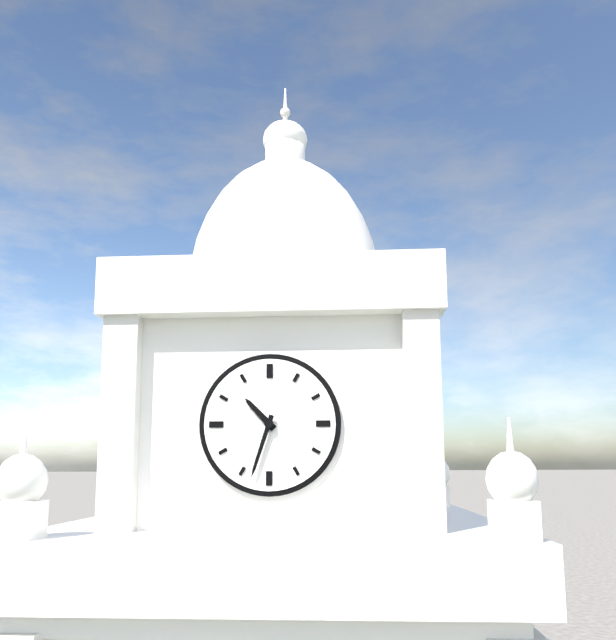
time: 10:33
